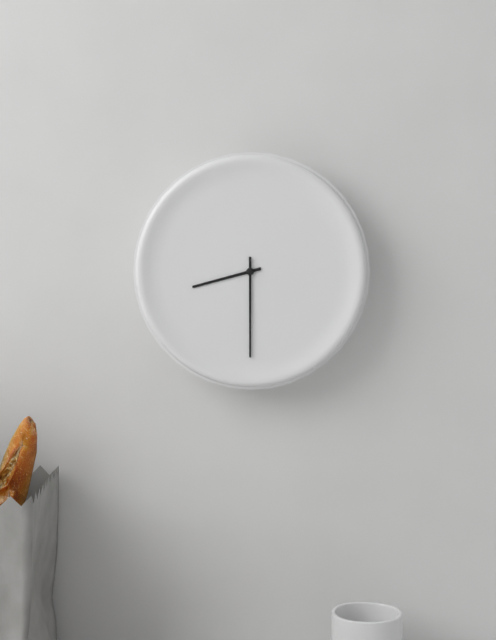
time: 8:30
